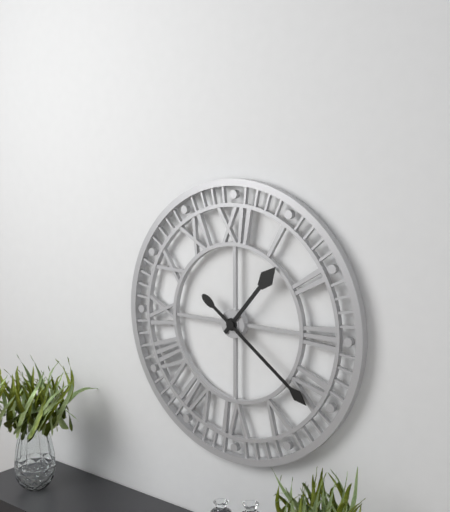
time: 1:21
